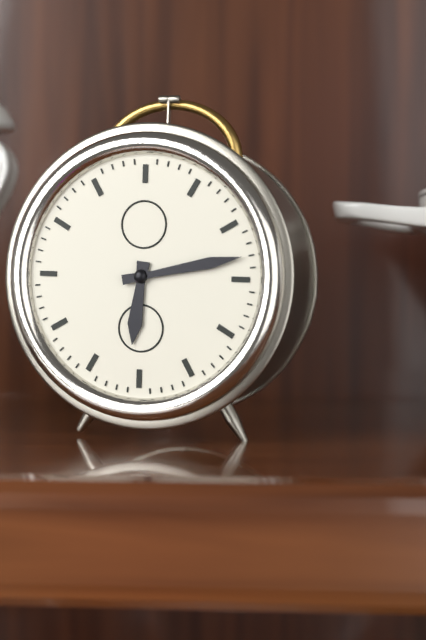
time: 6:13
